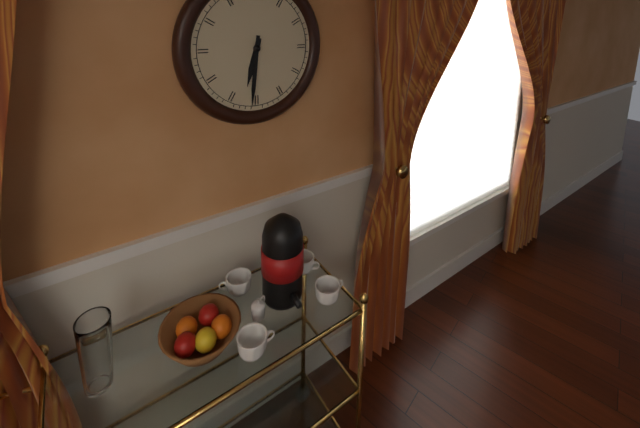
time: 6:31
